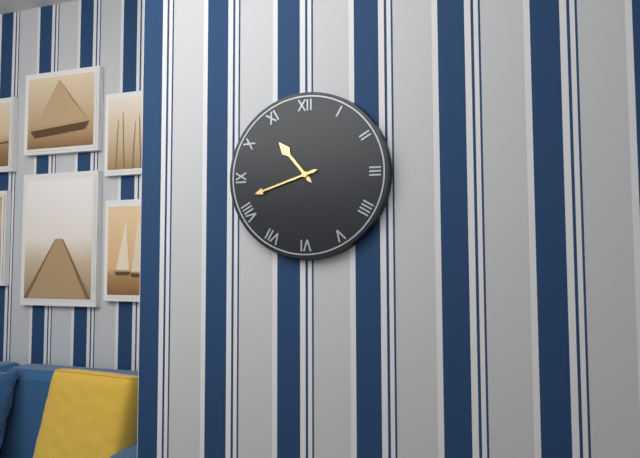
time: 10:42
